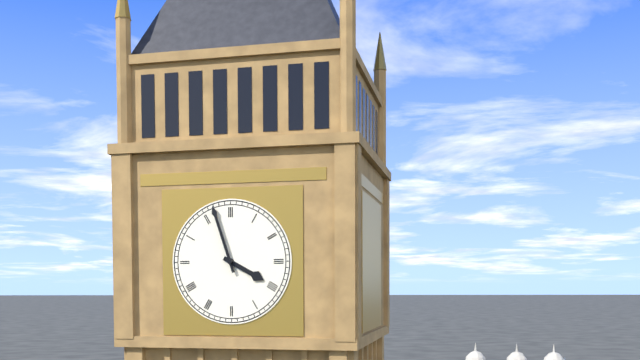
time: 3:57
